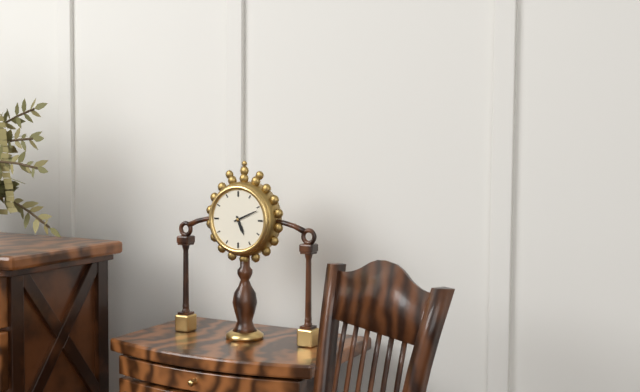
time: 5:11
